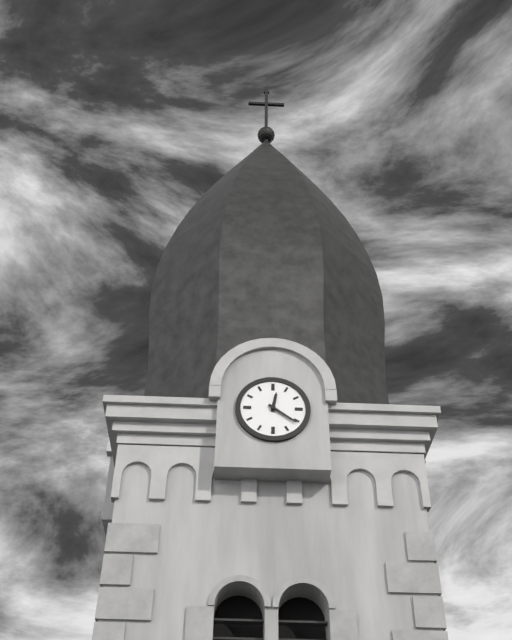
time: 12:21
